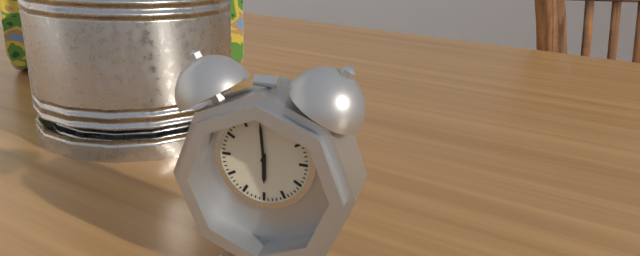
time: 5:59
